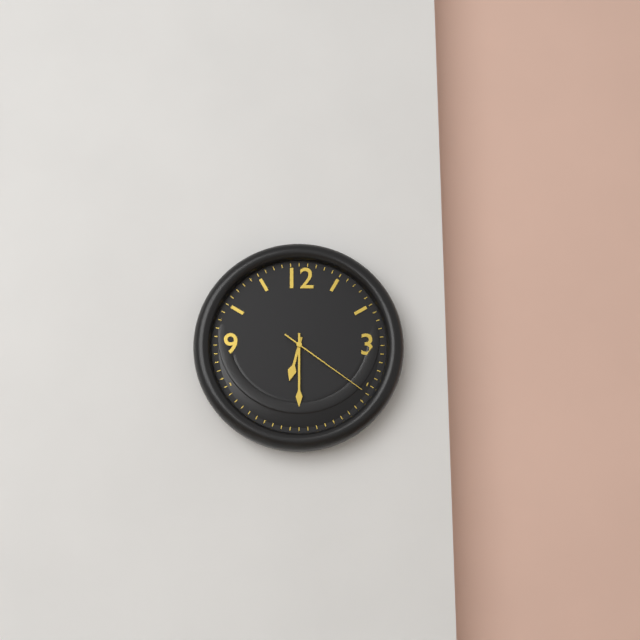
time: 6:30:21
